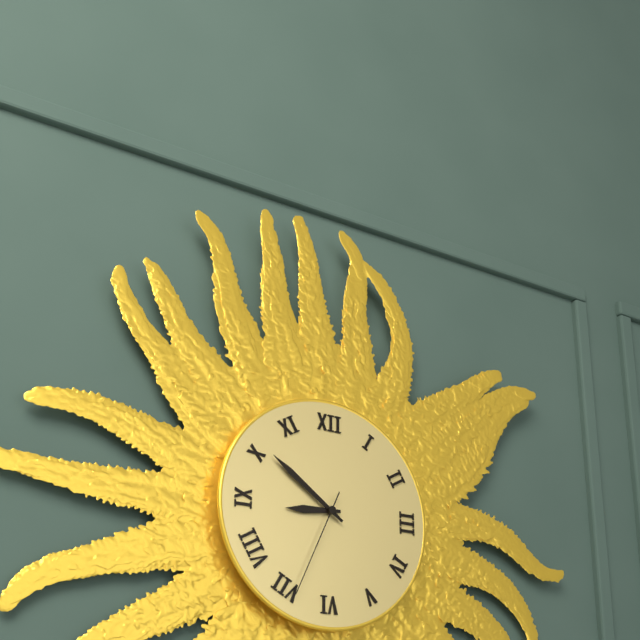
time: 8:51:34
